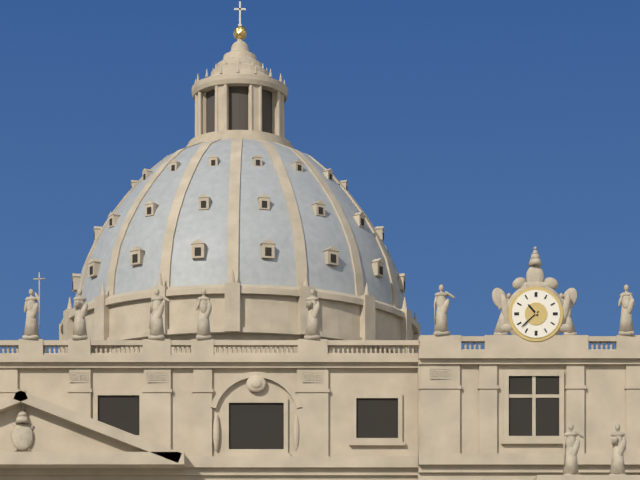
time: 10:38
